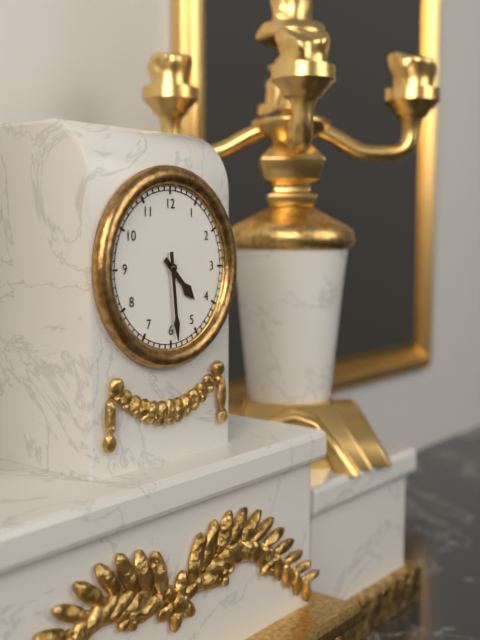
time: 4:29
